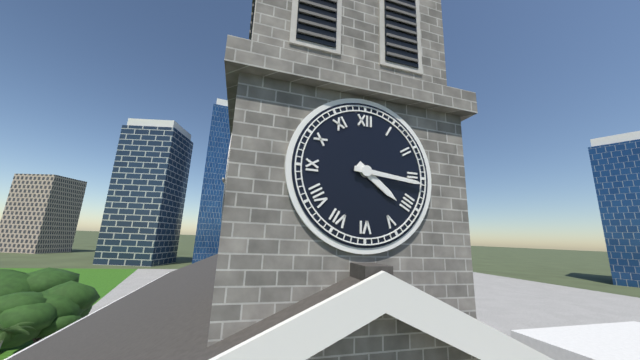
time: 4:16
